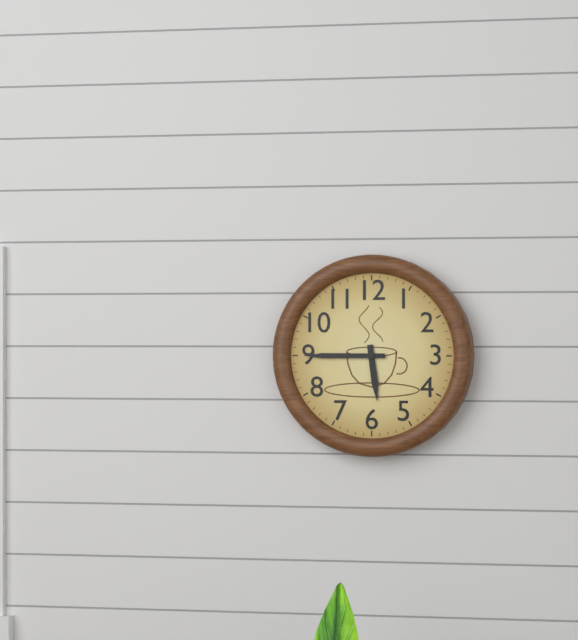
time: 5:45
